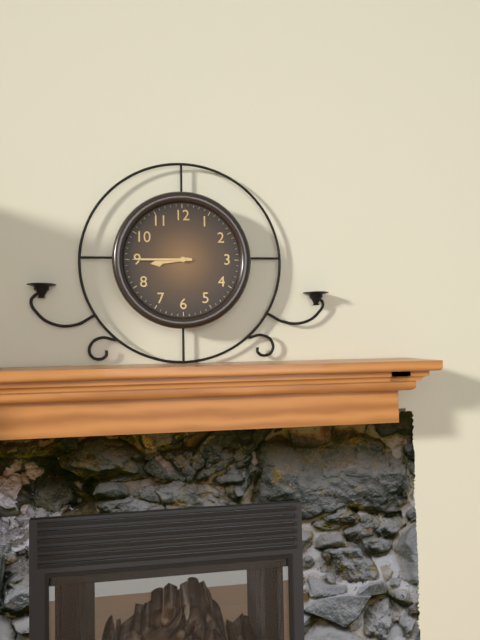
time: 8:45
